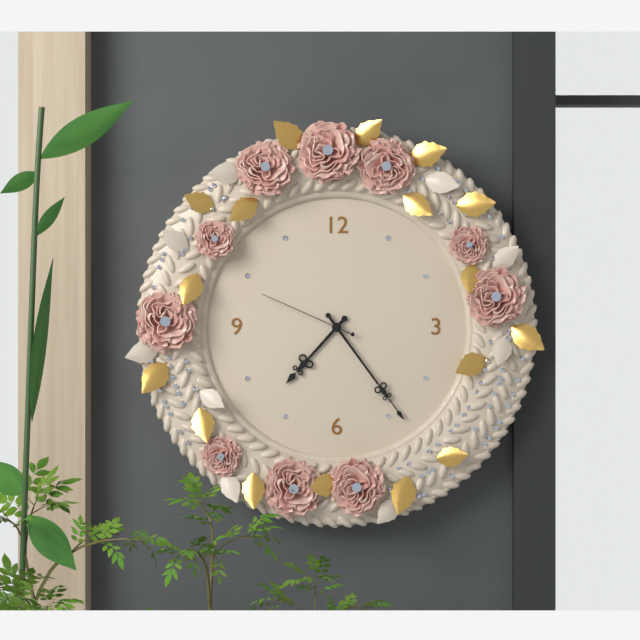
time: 7:24:49
